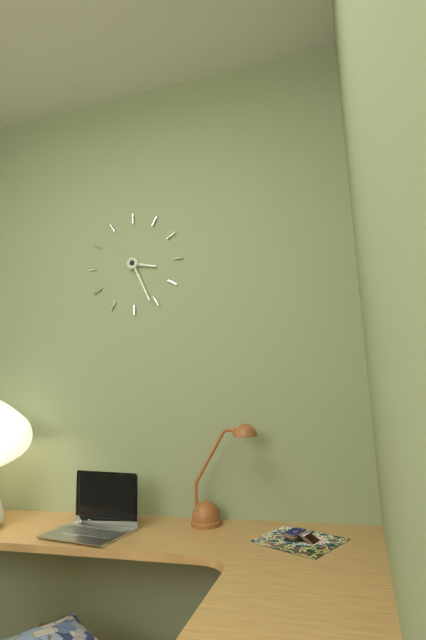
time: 3:26
